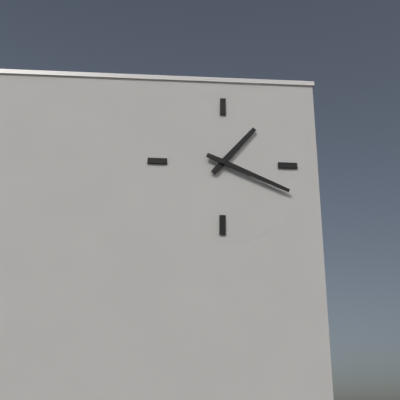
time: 1:19
